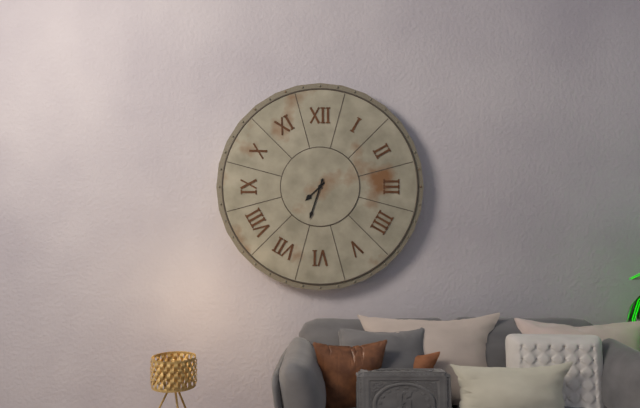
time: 7:33
